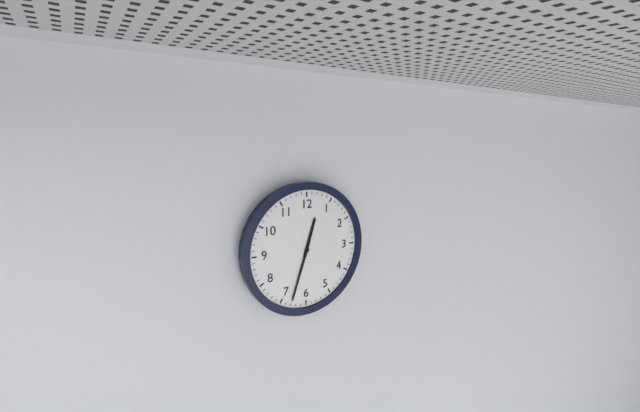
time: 12:33
